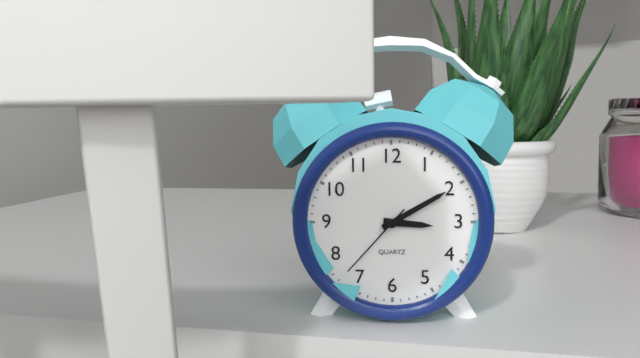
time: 3:10:37
